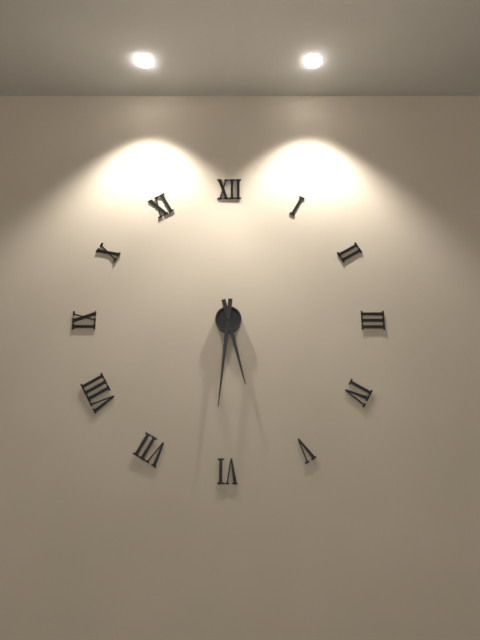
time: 5:31
